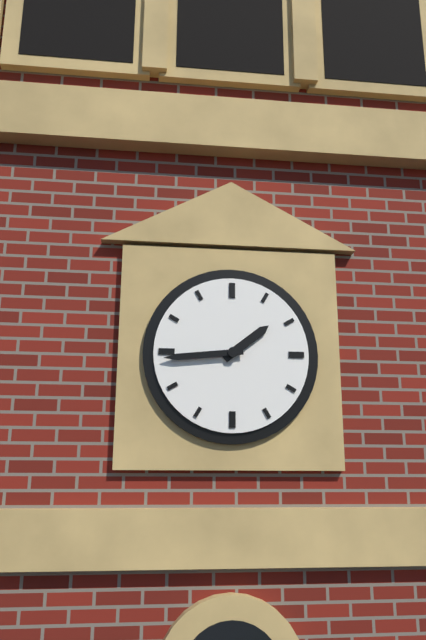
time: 1:44
